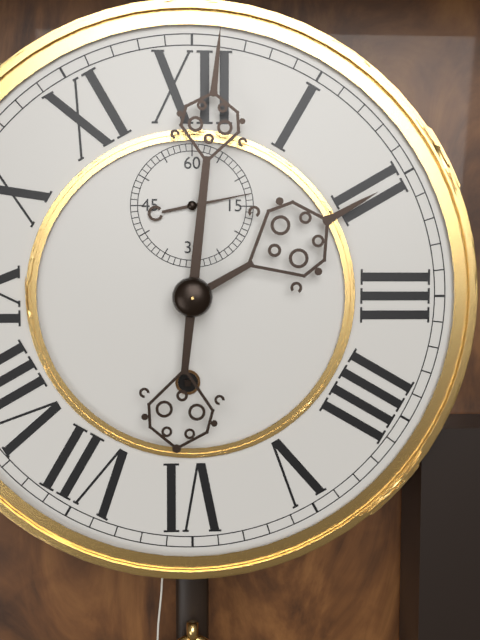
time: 2:01:13
